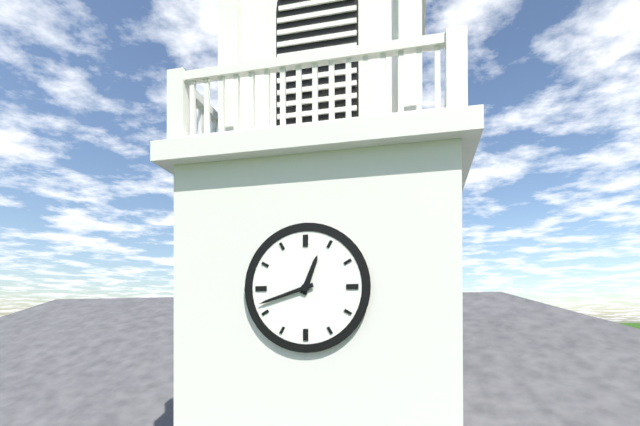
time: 12:42
